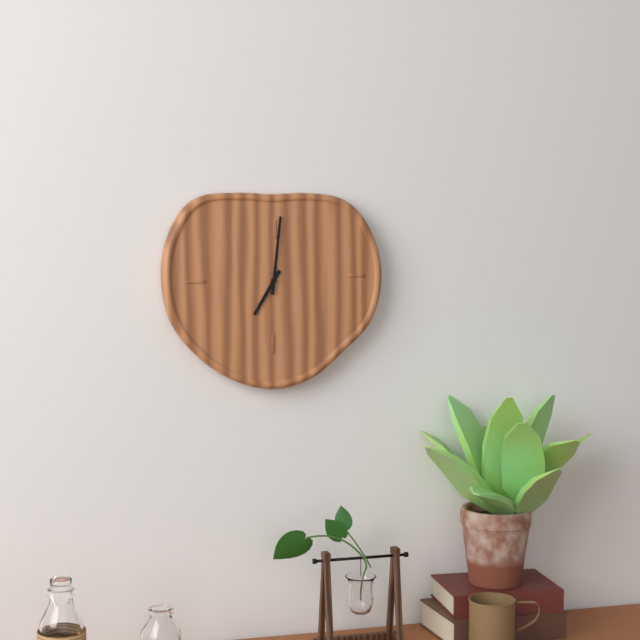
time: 7:01
